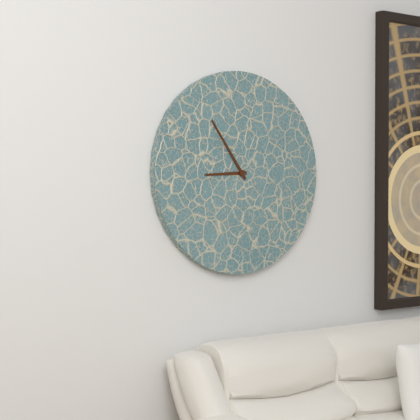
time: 8:54
